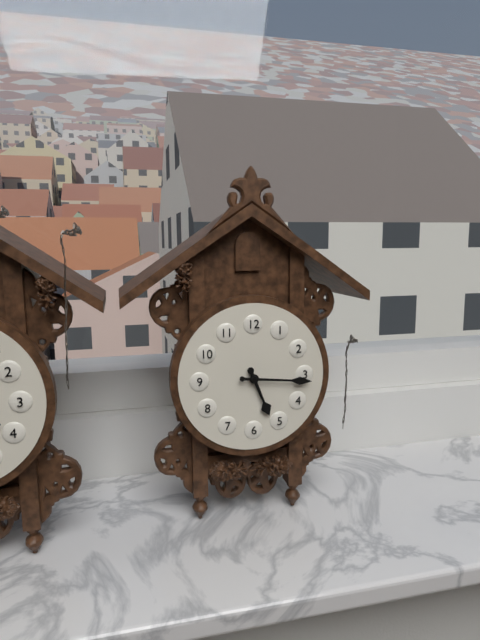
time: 5:16
